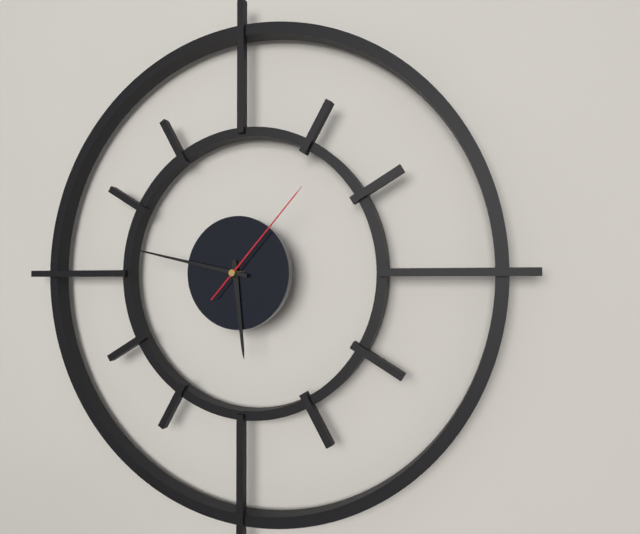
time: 5:47:07
